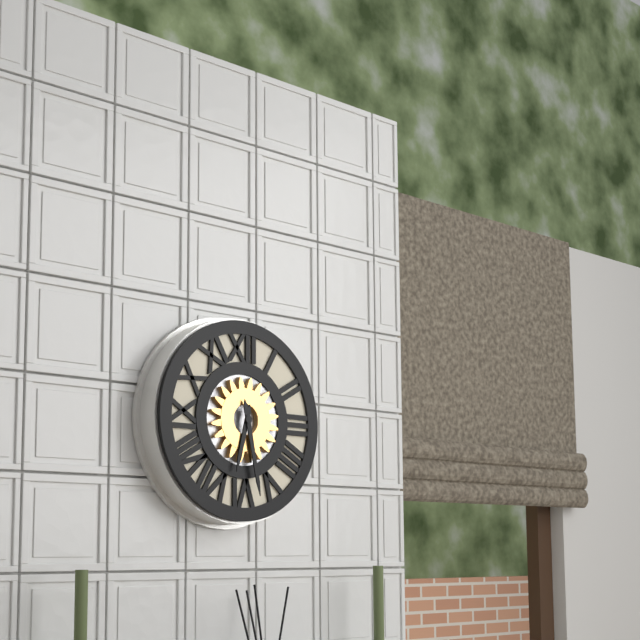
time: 6:28
